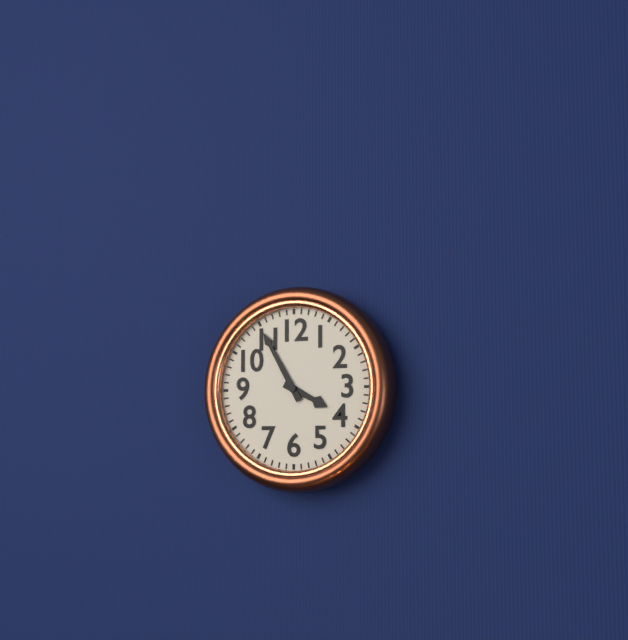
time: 3:55
